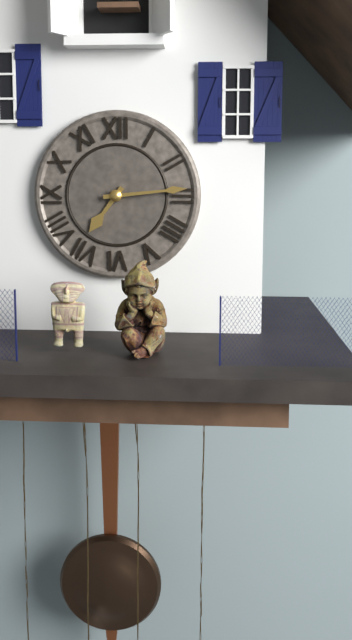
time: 7:14
